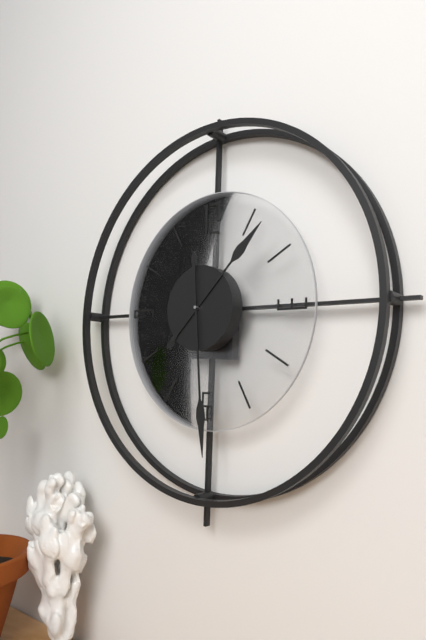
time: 1:29
